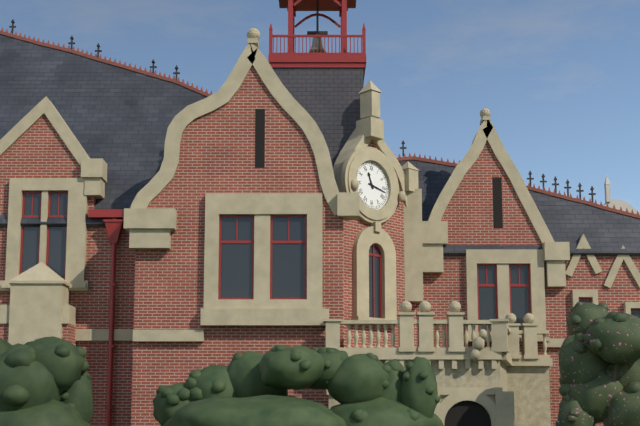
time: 11:17
